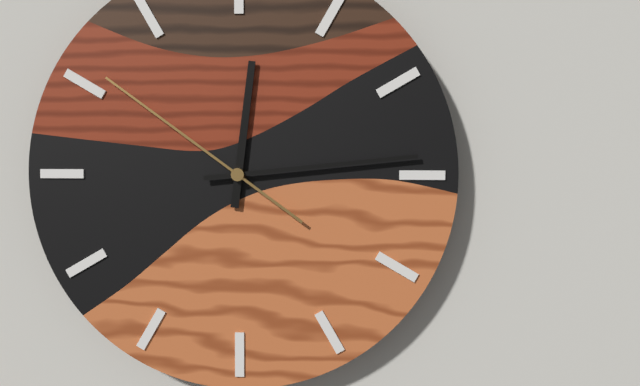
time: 12:14:51
